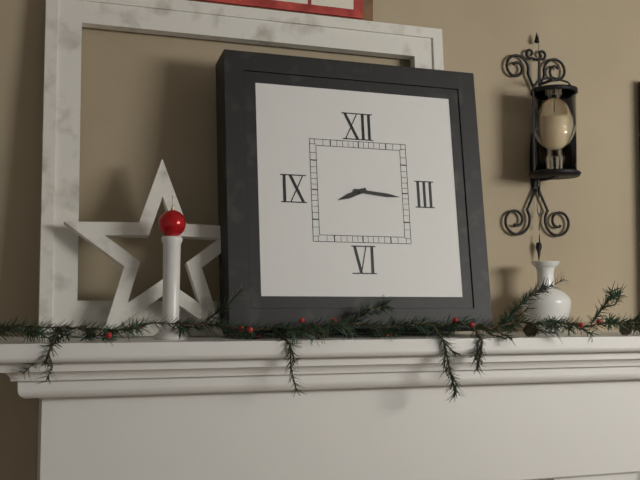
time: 8:16
